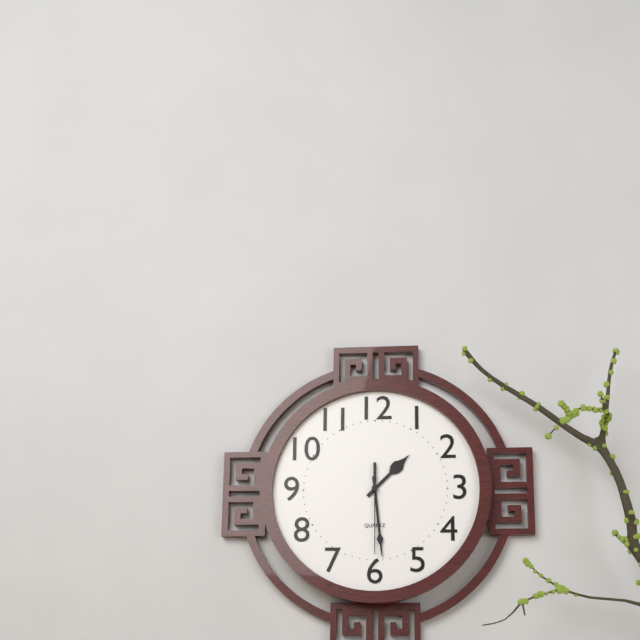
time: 1:29:30
